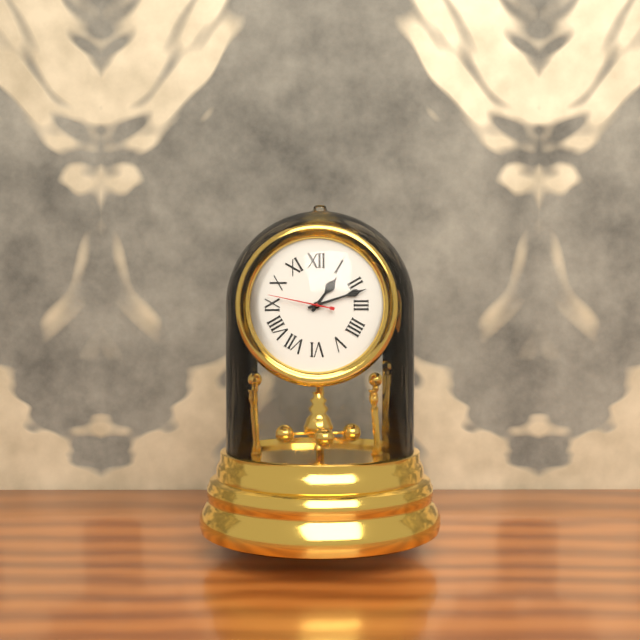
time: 1:12:47
